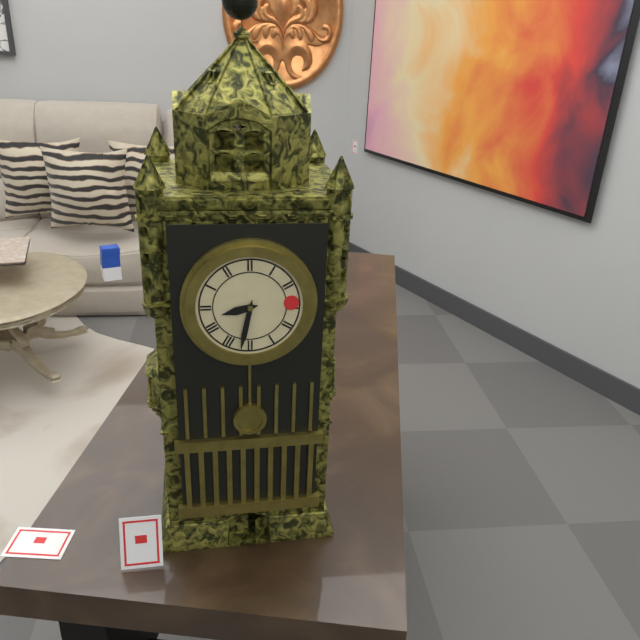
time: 8:32
